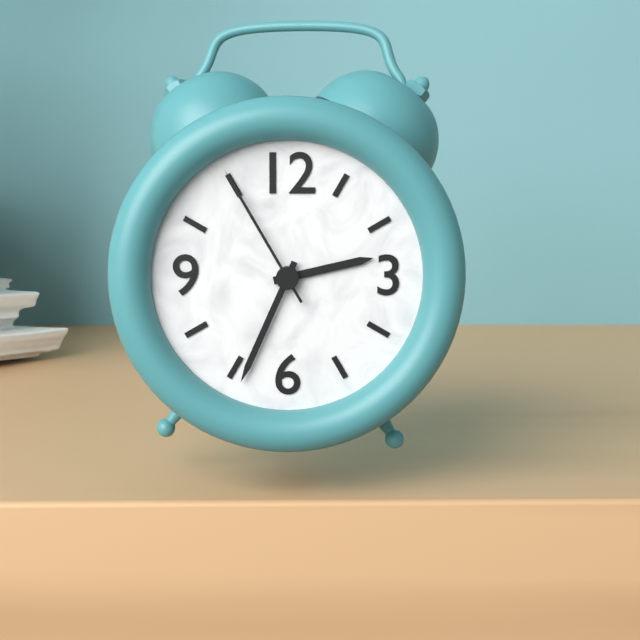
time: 2:34:55
